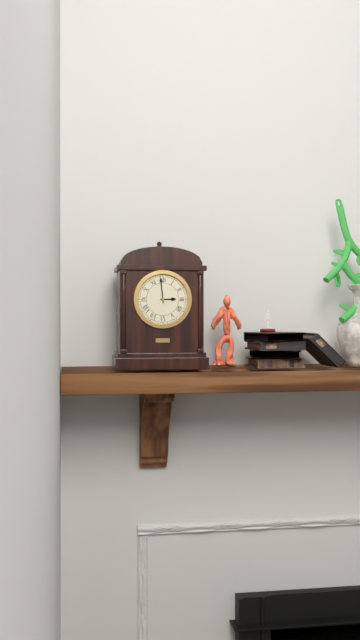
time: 2:59
